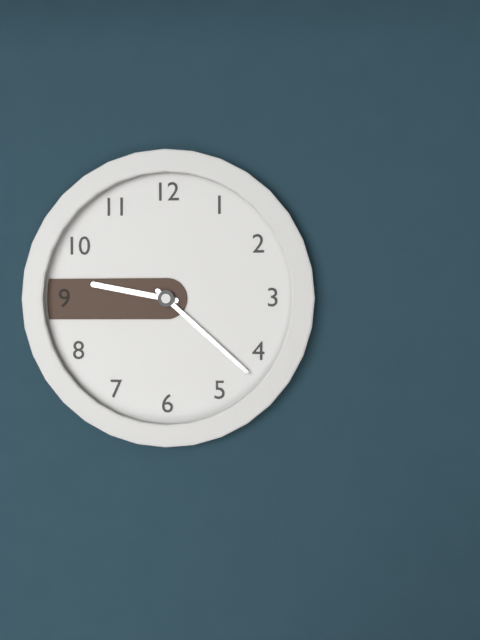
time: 9:22
